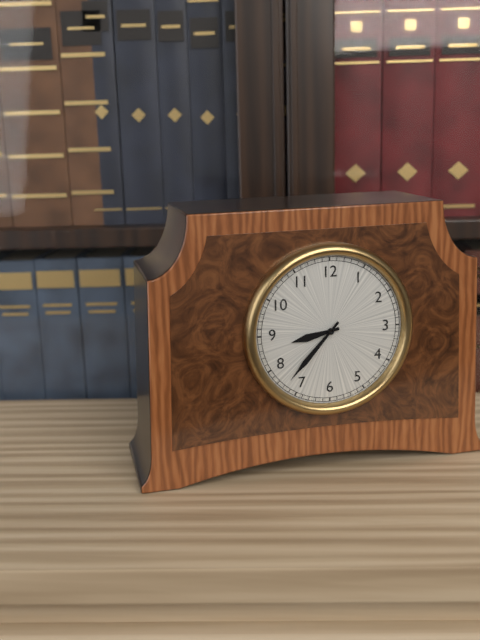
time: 8:37
